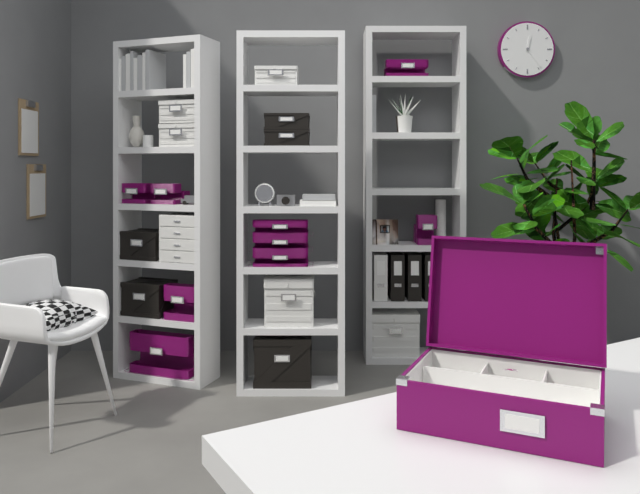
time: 12:24
